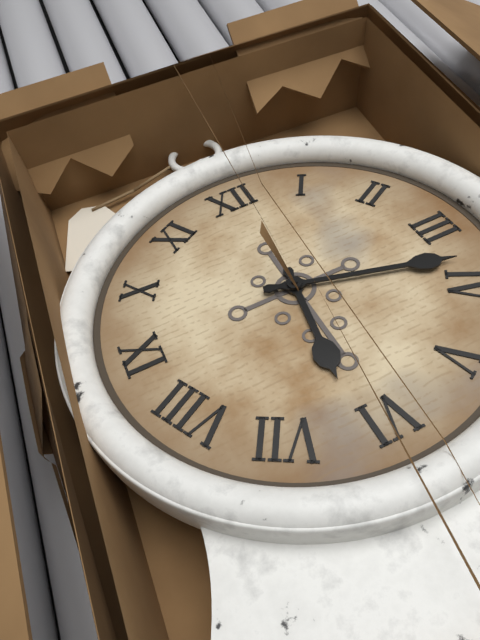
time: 6:18
